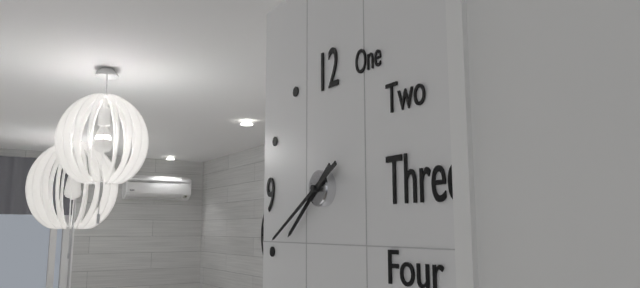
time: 7:40
